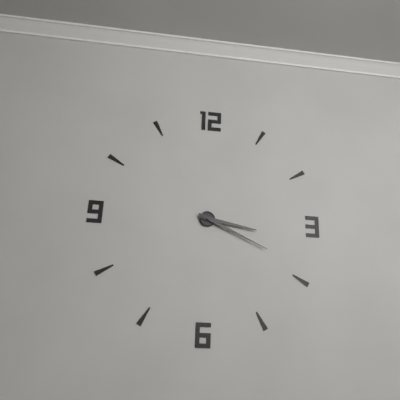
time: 3:19
